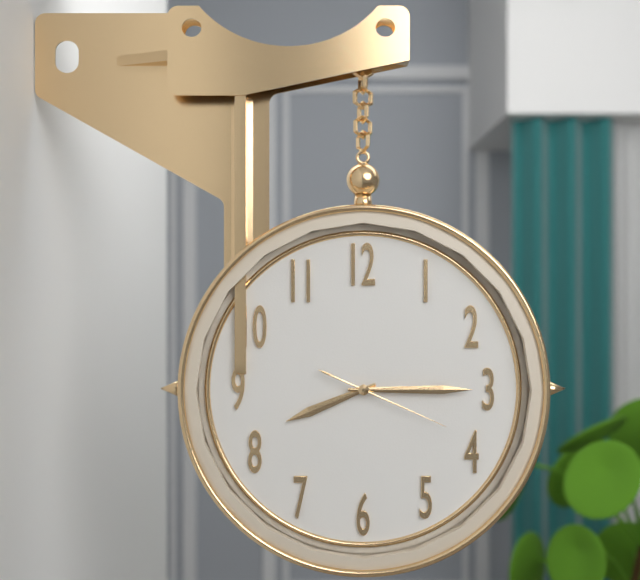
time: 8:15:19
